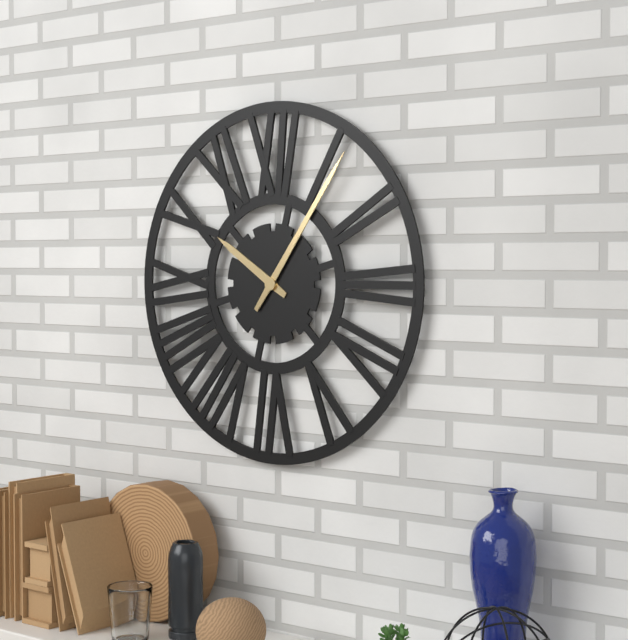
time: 10:06
